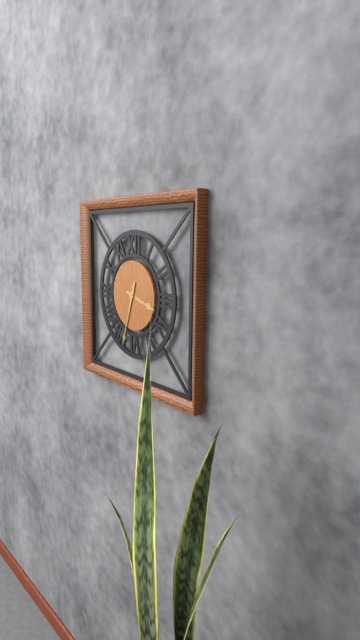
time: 3:33
